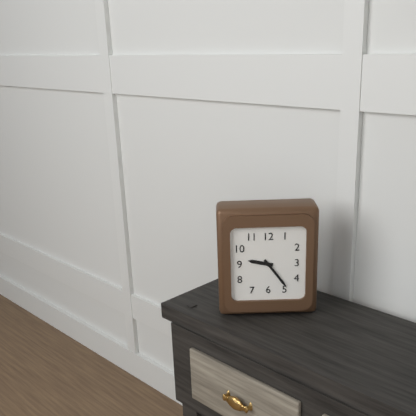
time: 9:24
